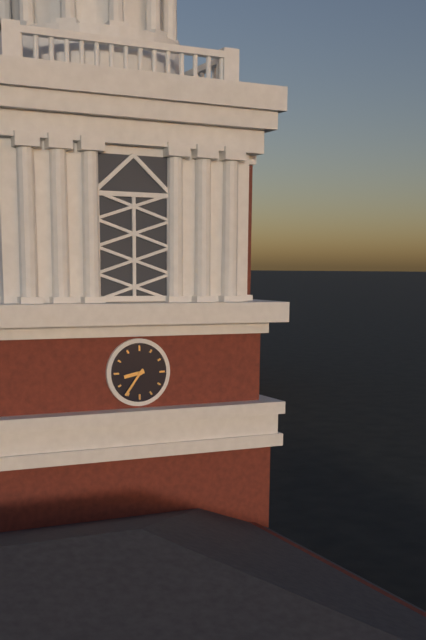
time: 8:36
